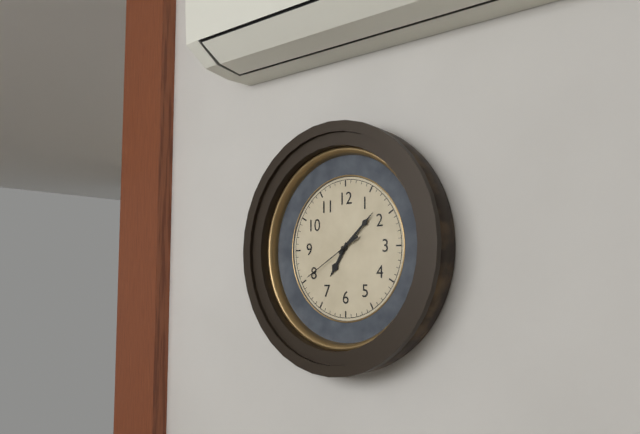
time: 7:08:40
